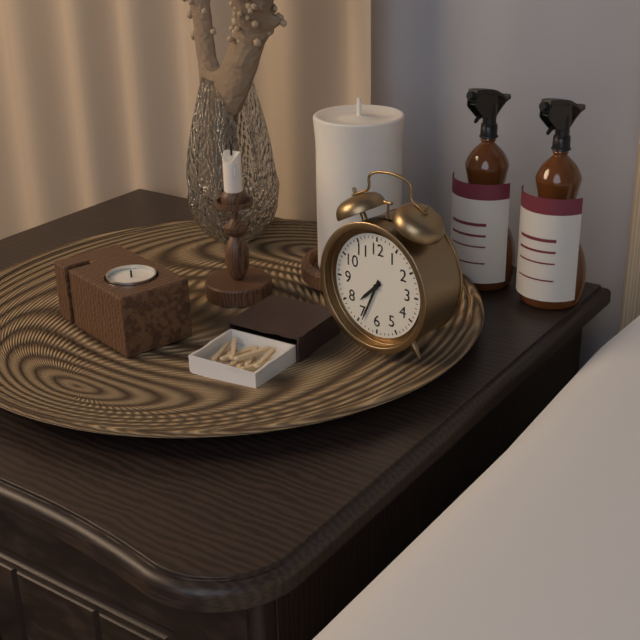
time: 7:34
